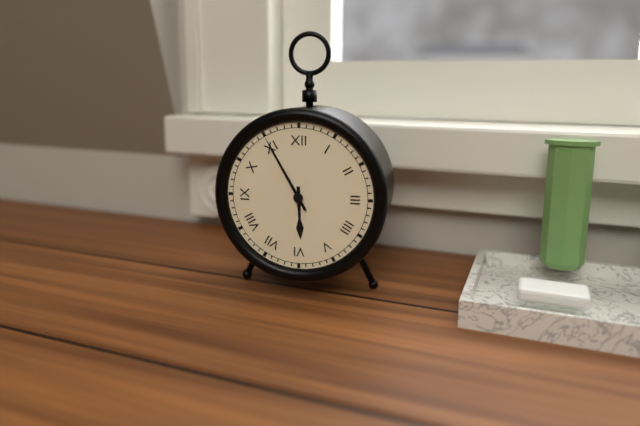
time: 5:55
